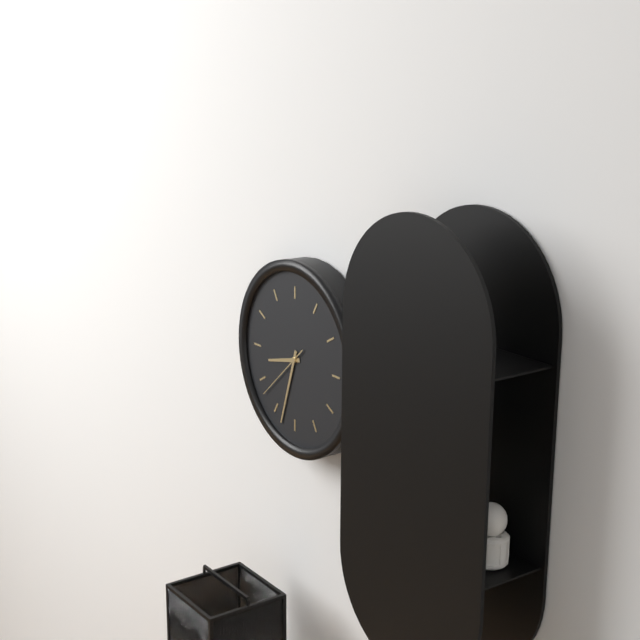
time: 8:33:38
